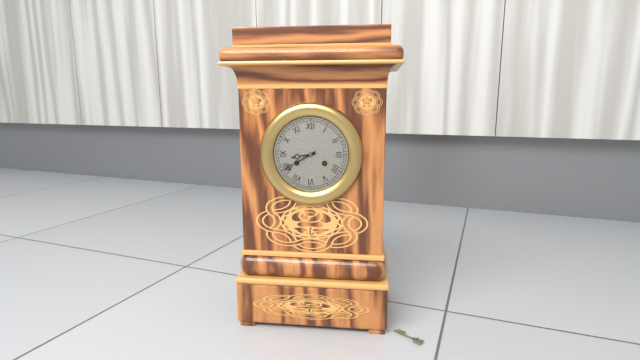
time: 8:40
